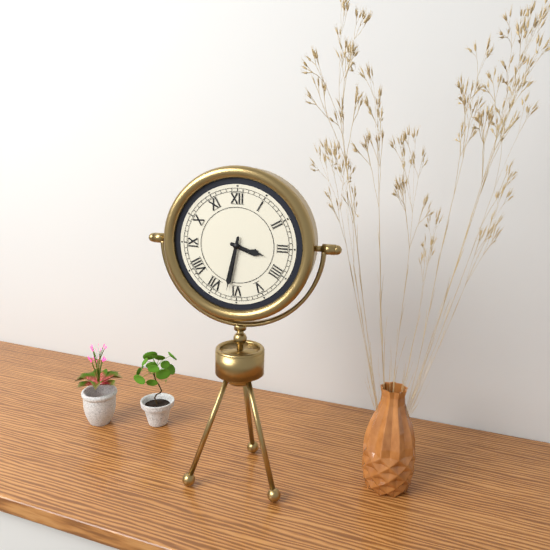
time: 3:32
